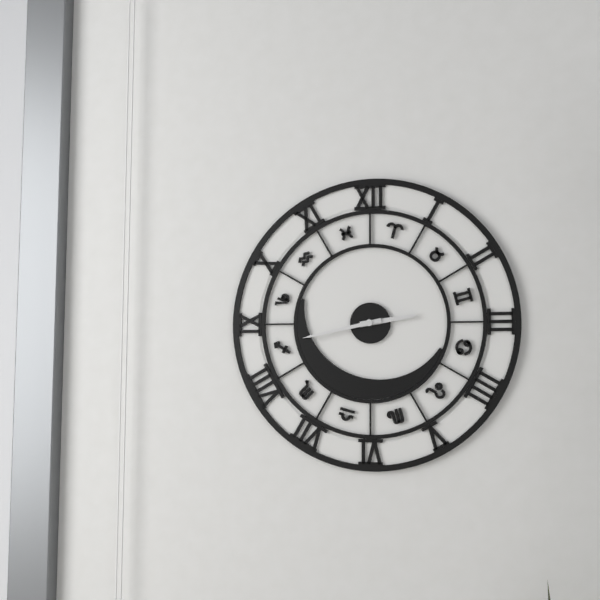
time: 2:43
